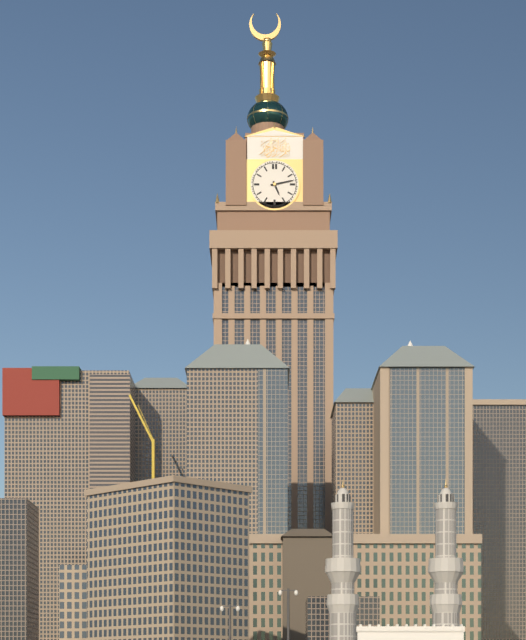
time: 5:13
